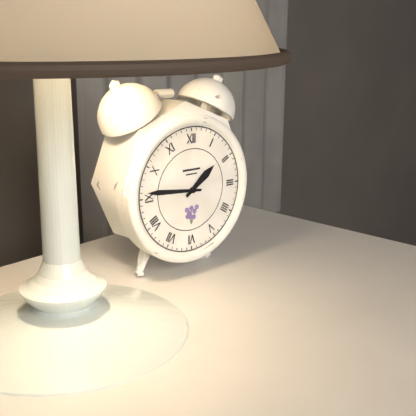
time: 1:46
